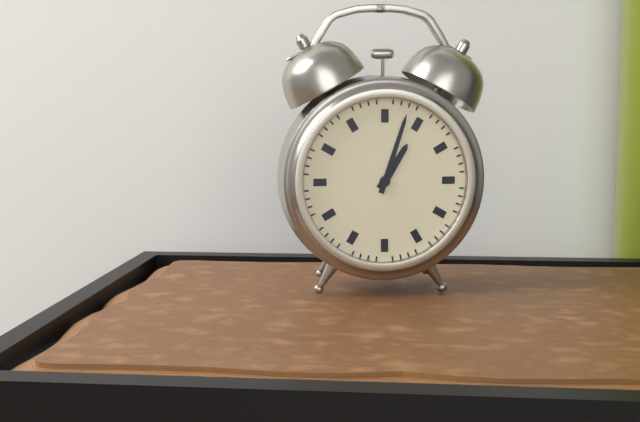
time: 1:03
